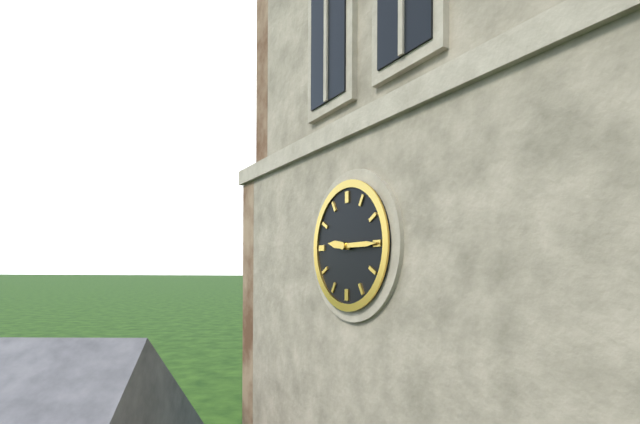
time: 9:15
